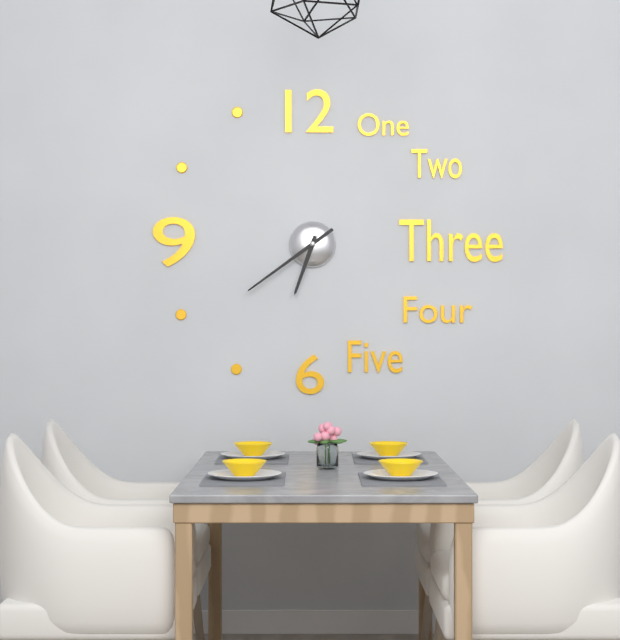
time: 6:39
